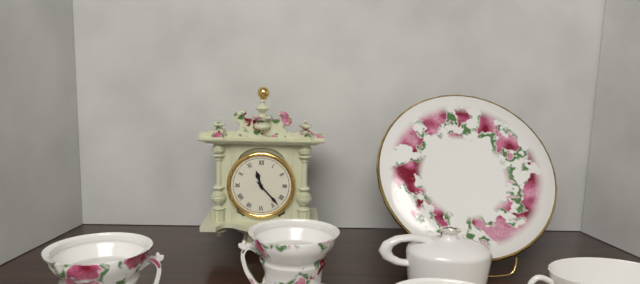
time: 11:23
